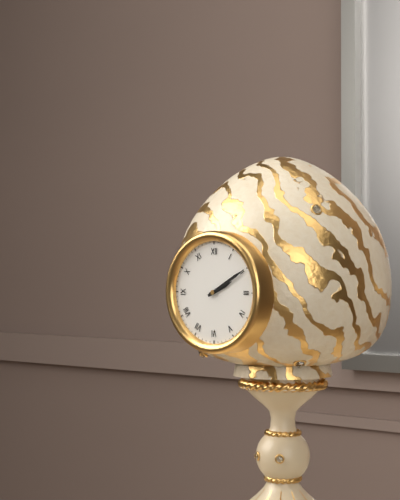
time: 2:10
